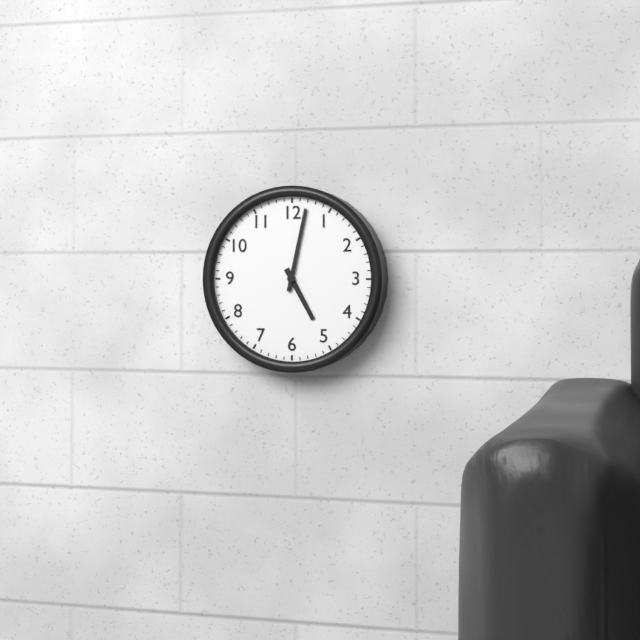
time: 5:02
